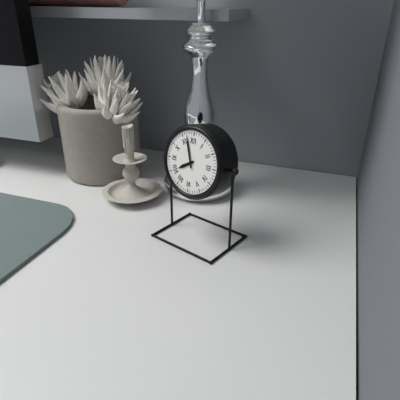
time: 7:57
